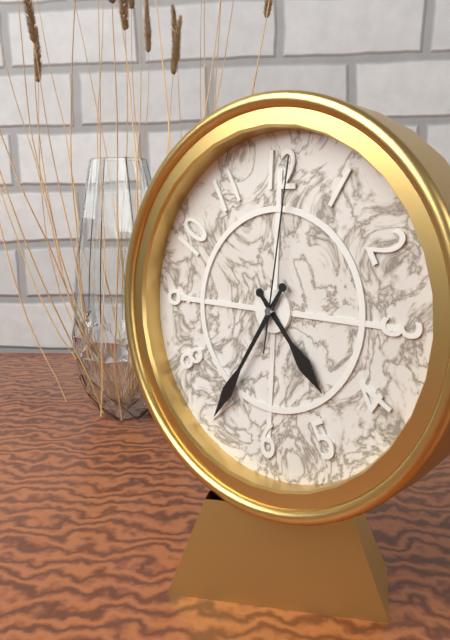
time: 4:35:01
